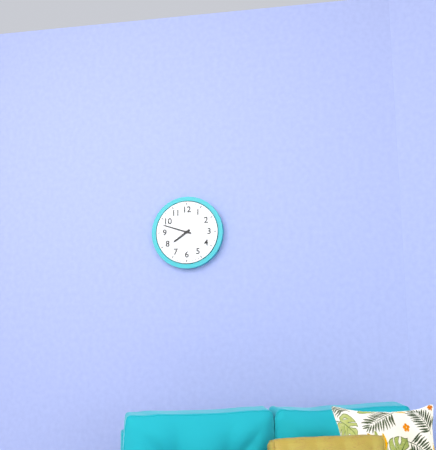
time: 7:48
